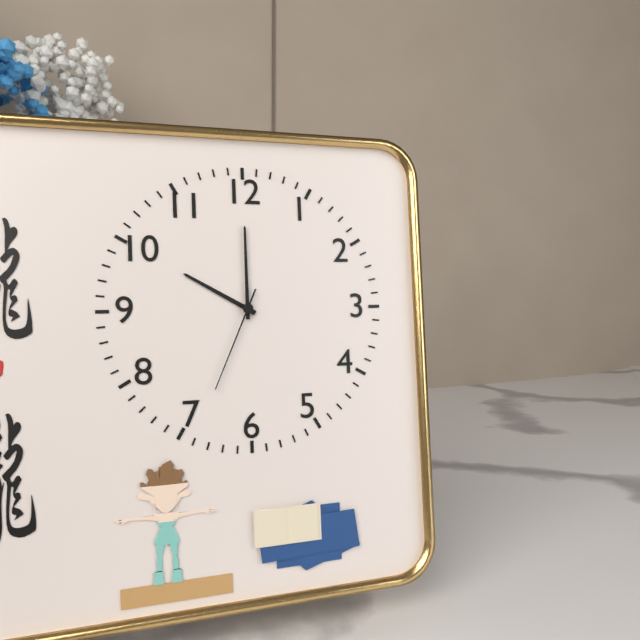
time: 10:00:34
